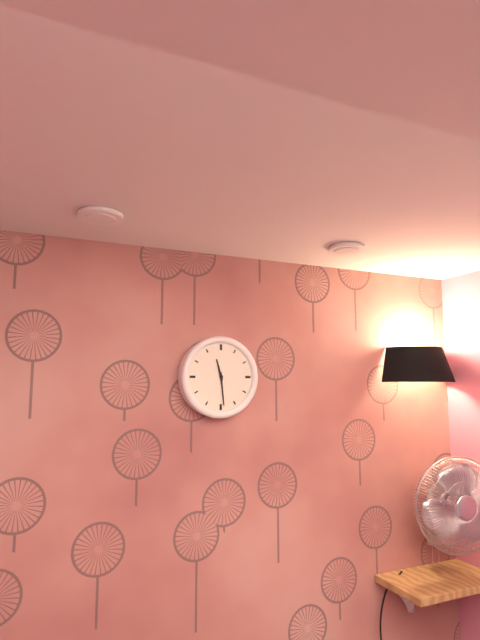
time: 11:29
